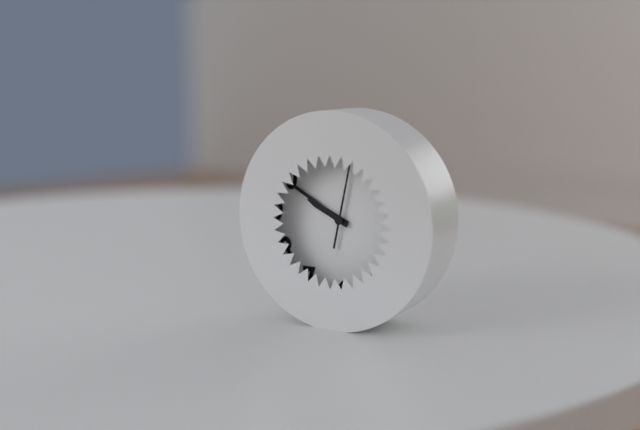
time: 9:50:02
